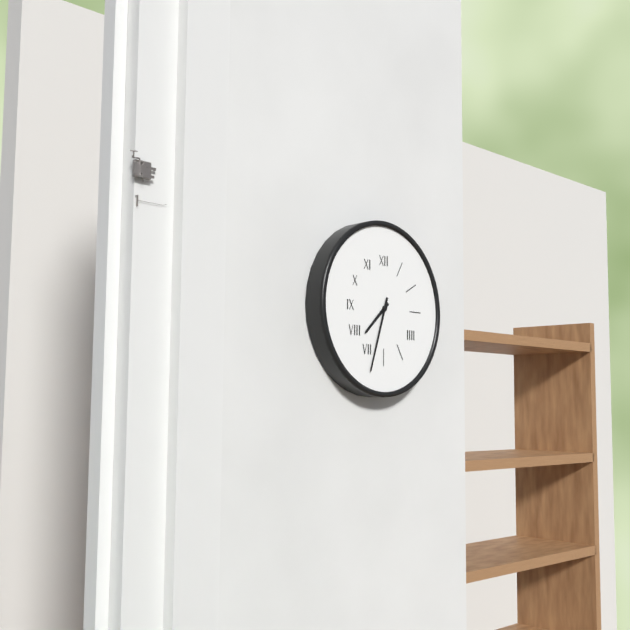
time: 7:33
